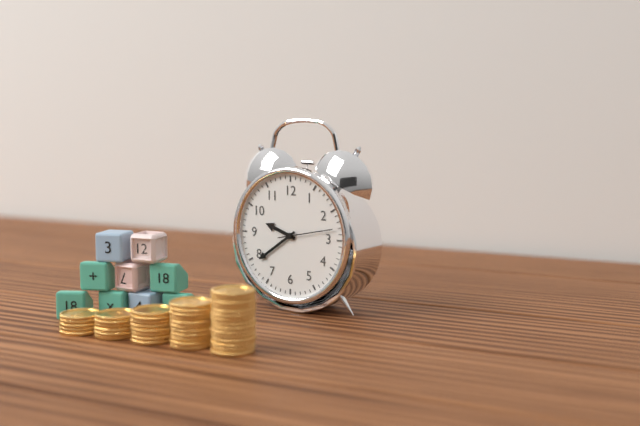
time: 9:39:13
